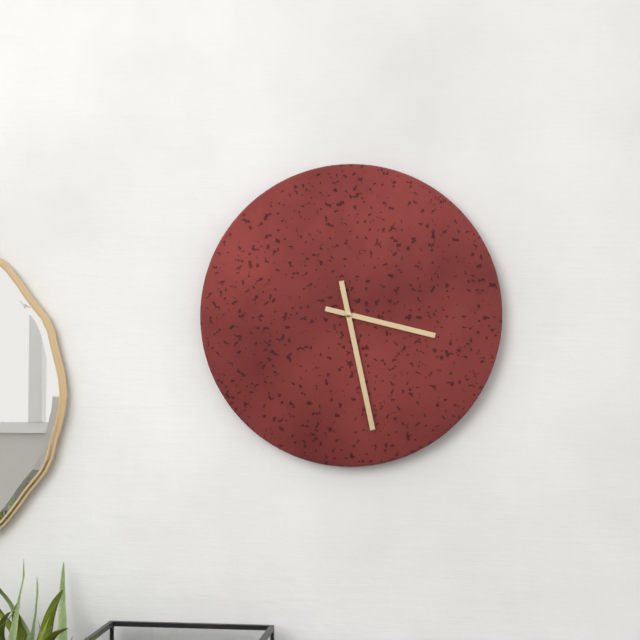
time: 3:28
